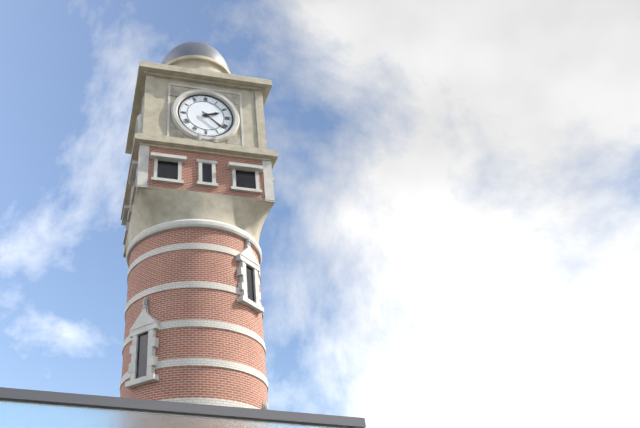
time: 2:22
